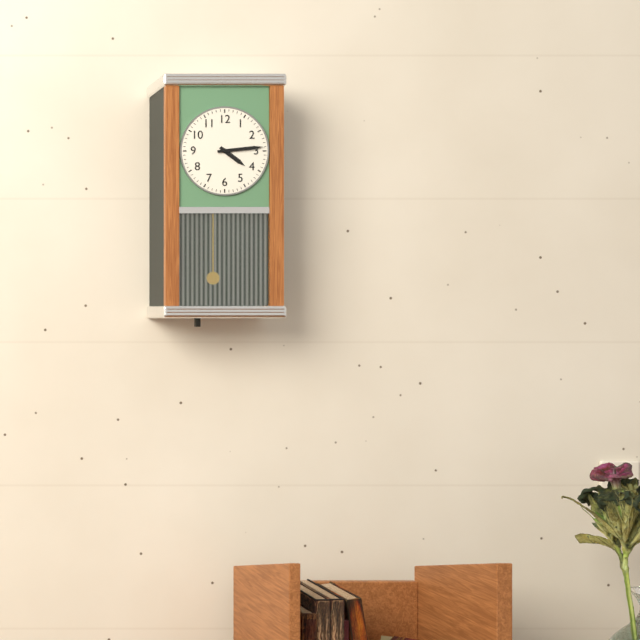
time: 4:14
